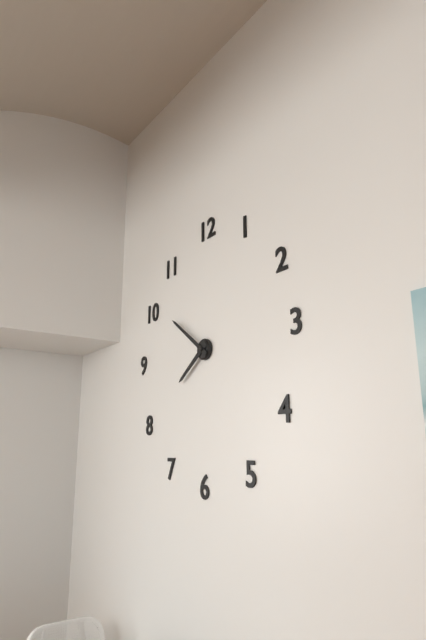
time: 7:51
